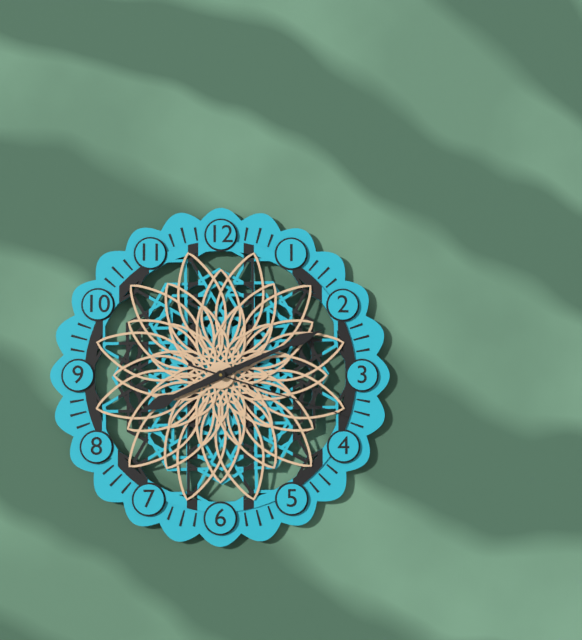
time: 8:11:18
